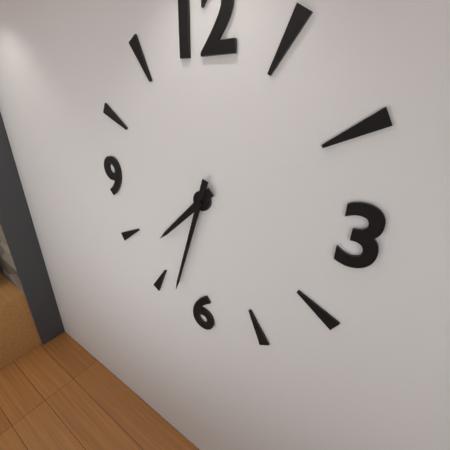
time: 7:33
